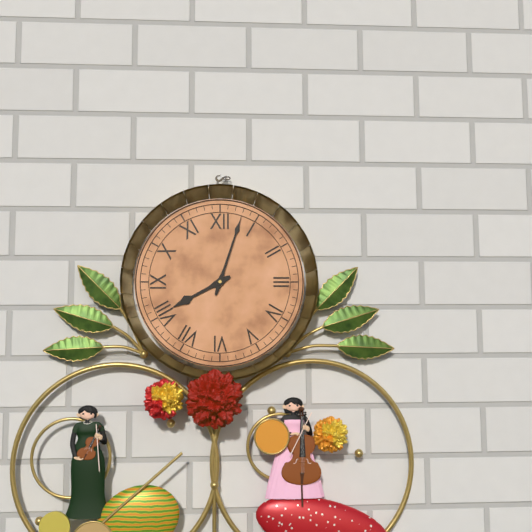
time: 8:03
